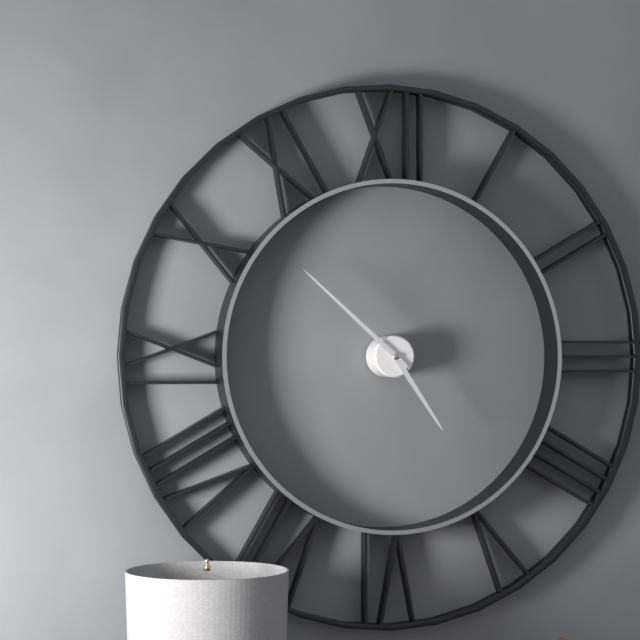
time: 4:52
